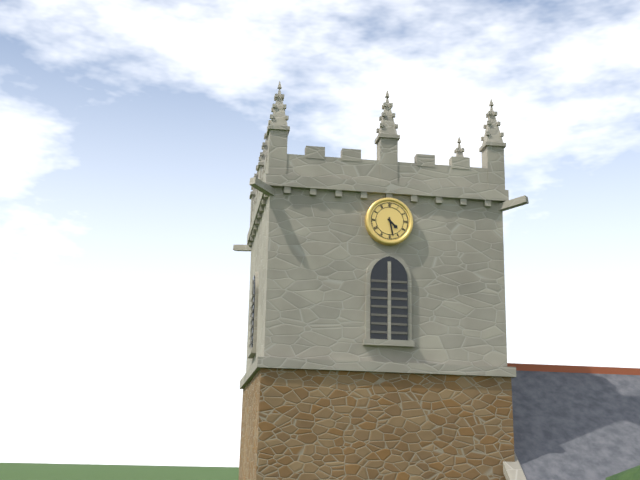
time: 4:28
